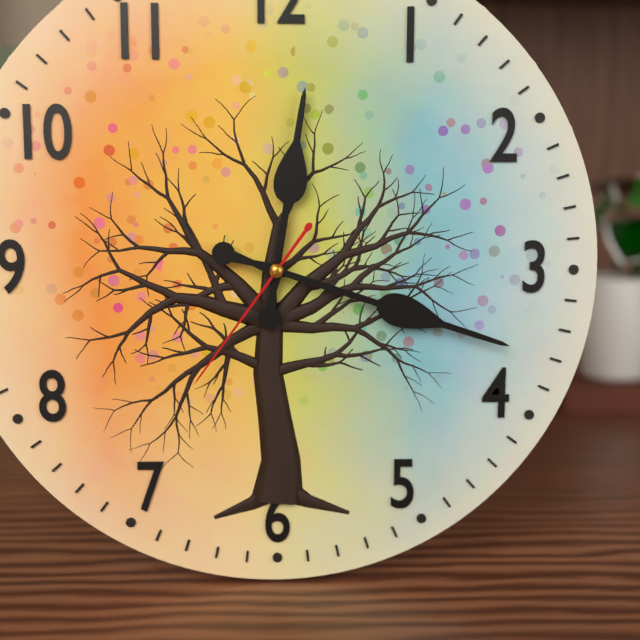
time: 12:18:36
